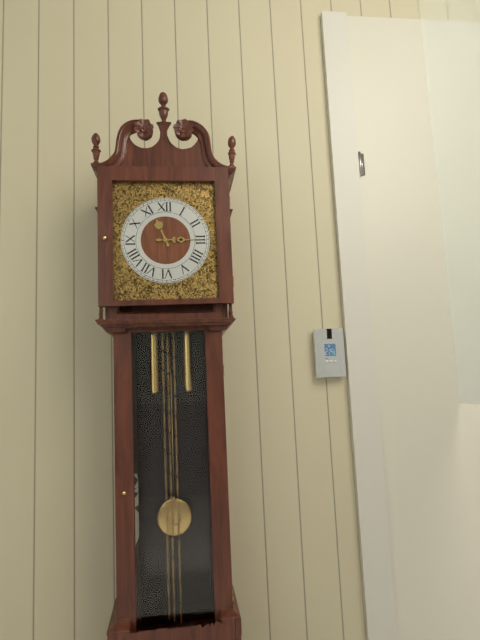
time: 11:15
